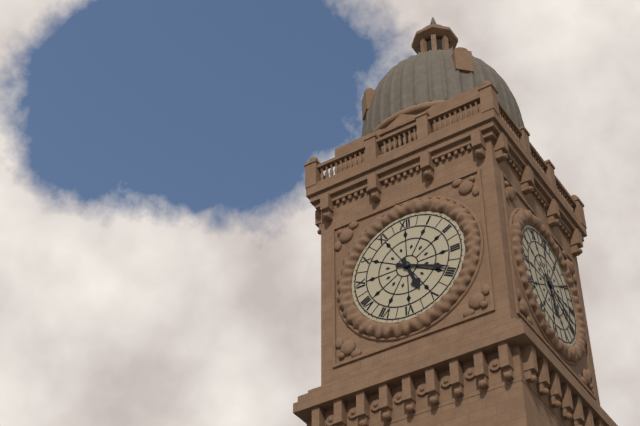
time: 5:19
